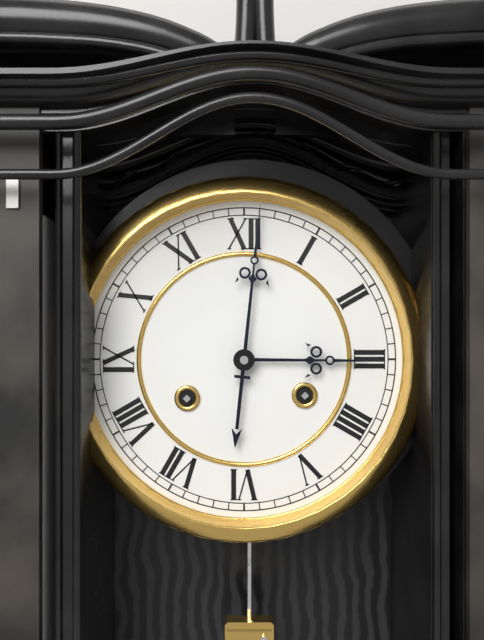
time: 3:01
